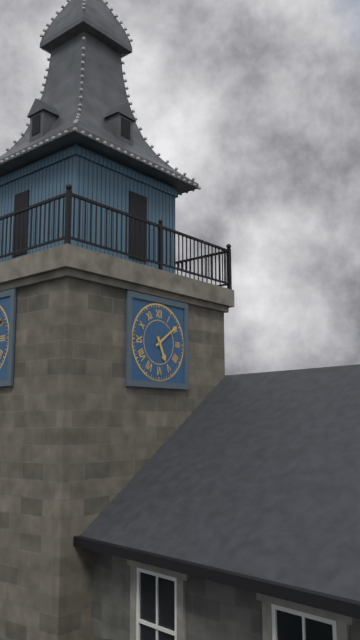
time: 5:09
